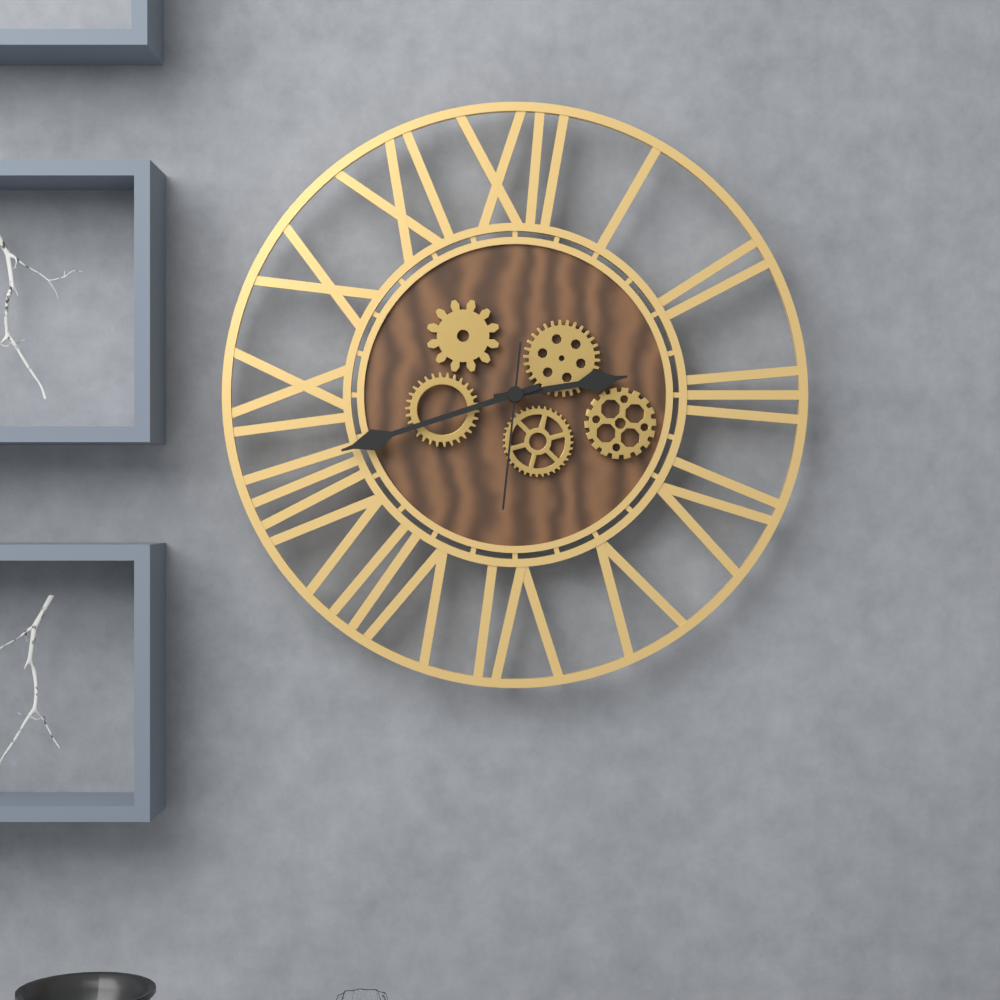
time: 2:42:31
